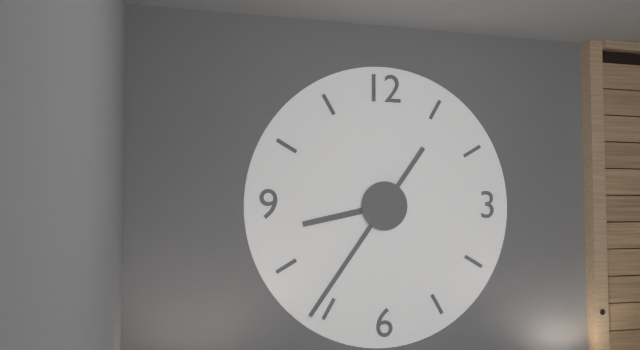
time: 8:36
